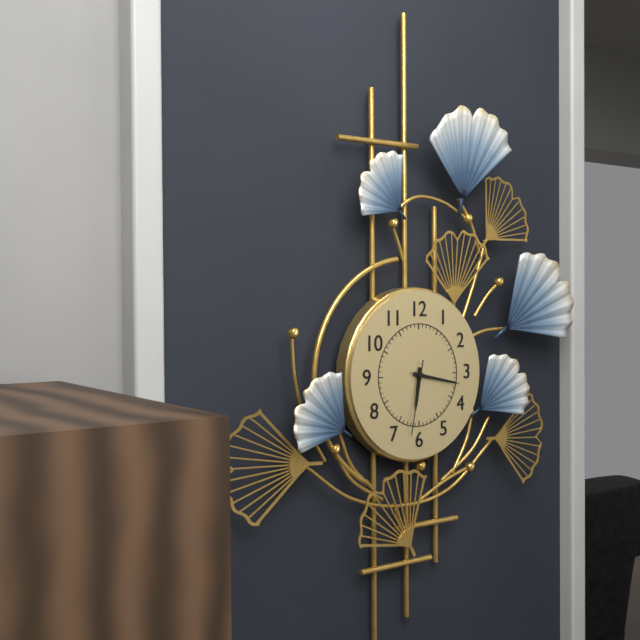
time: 6:17:32
